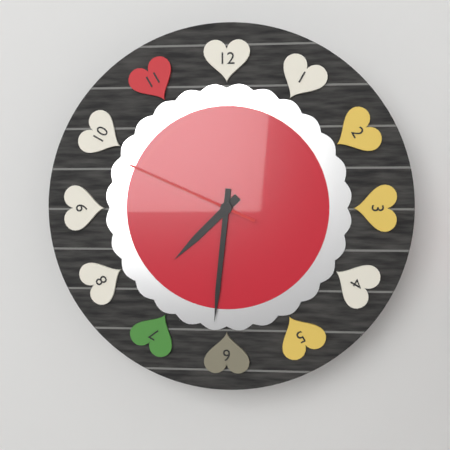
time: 7:31:49
